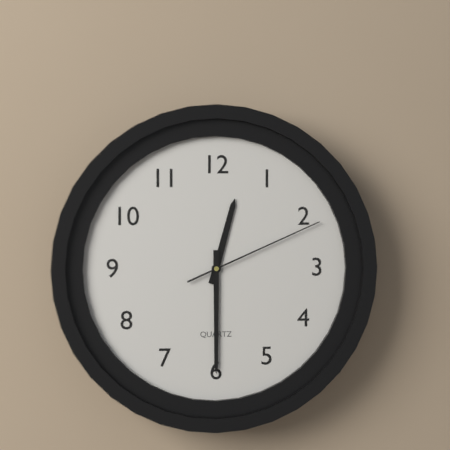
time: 12:30:11
